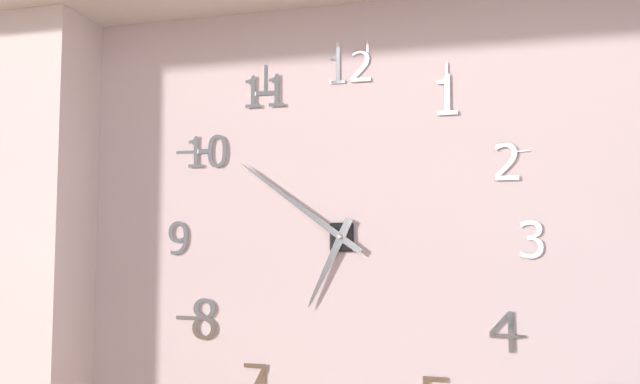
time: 6:51
